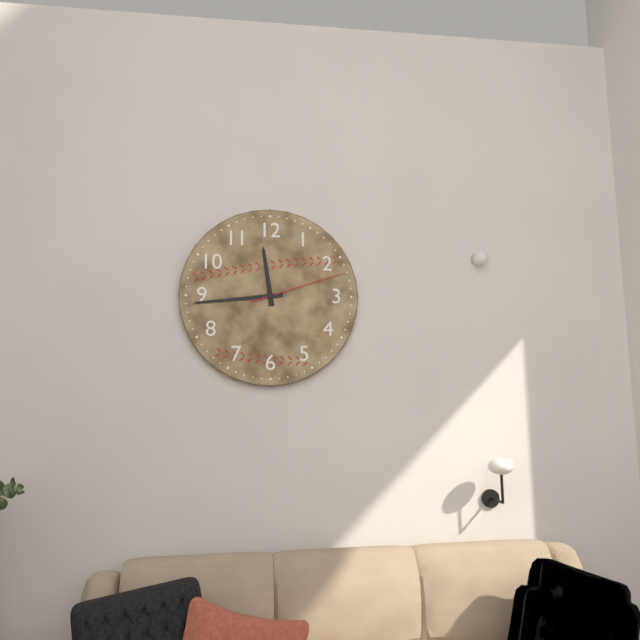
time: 11:44:12
